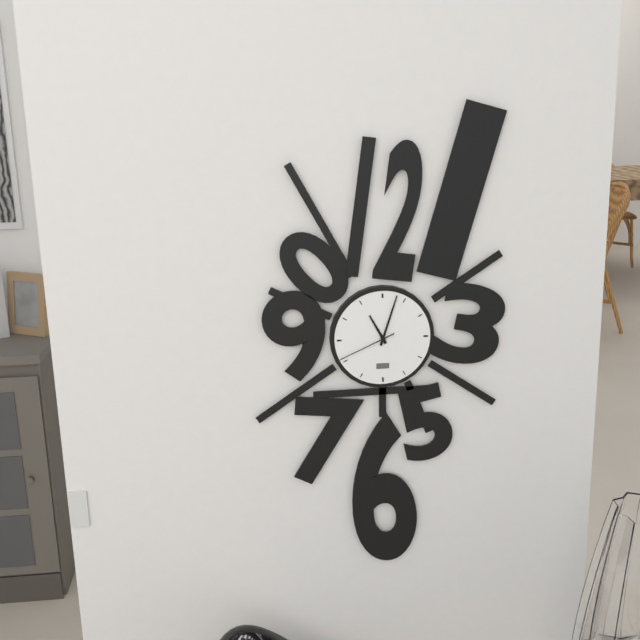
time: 11:03:41
